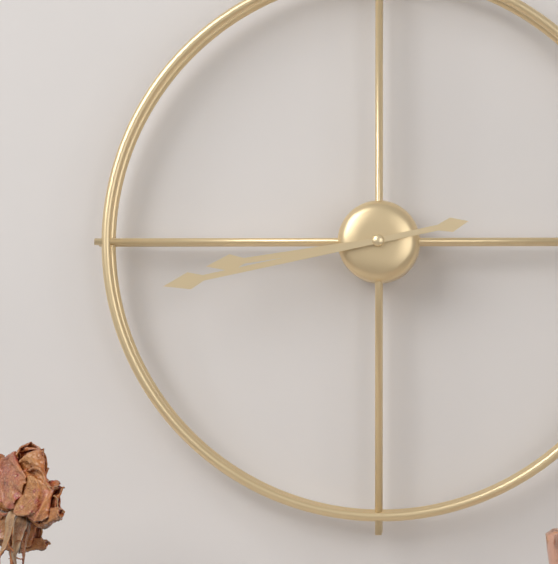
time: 8:43
